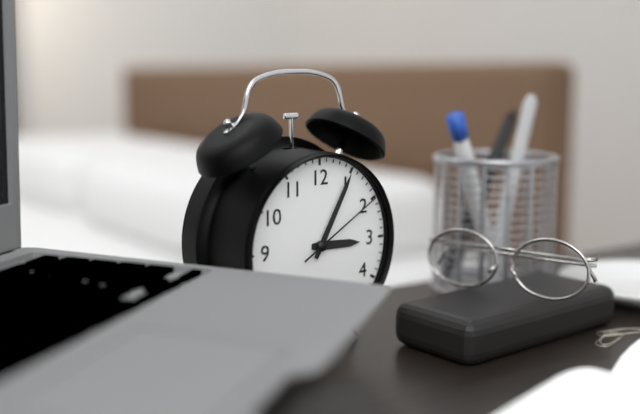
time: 3:05:10
